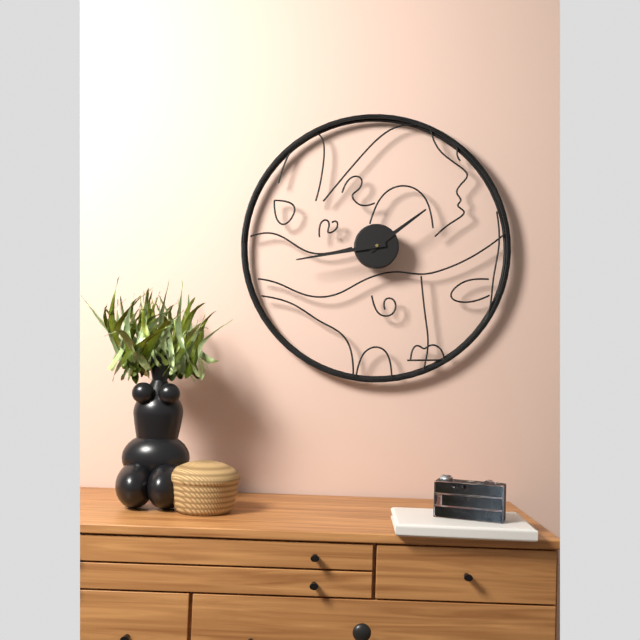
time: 1:43
